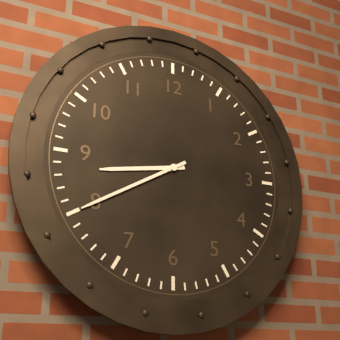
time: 8:40
